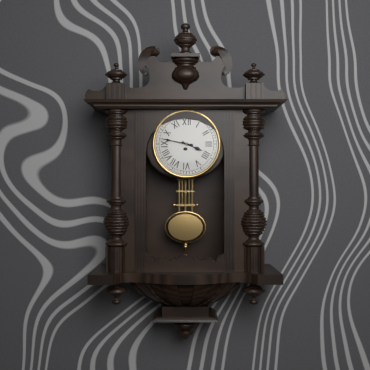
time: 3:47
